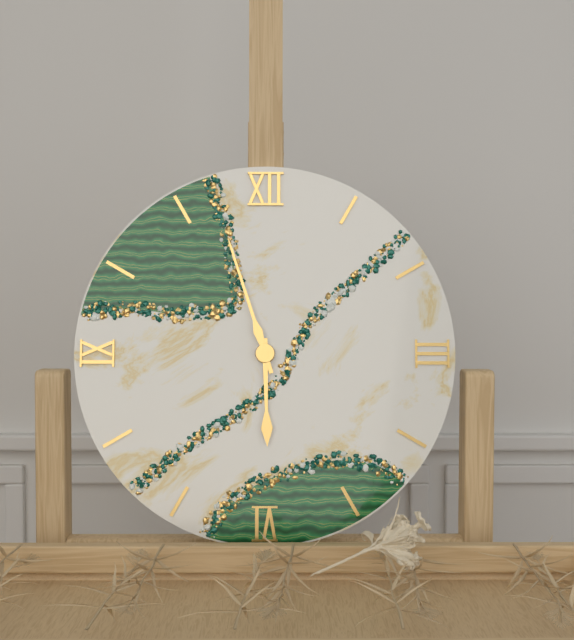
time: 5:57
